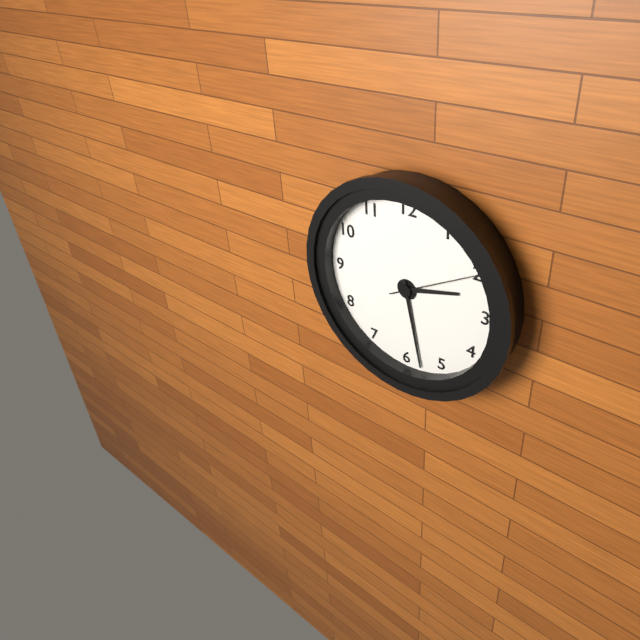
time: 2:28:10
